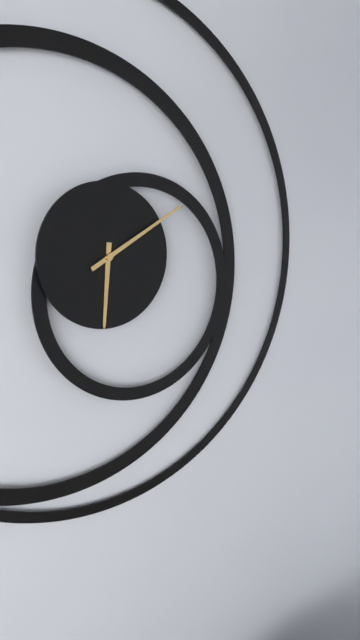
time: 6:10
